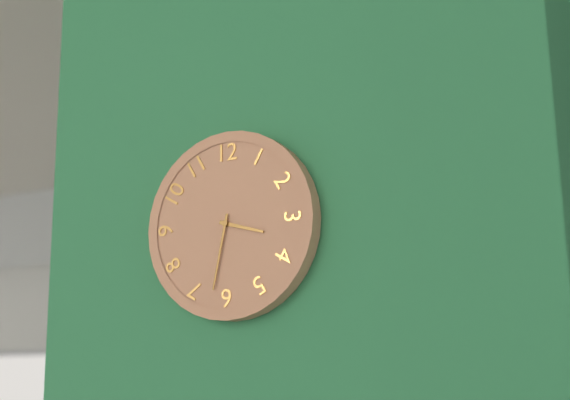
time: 3:32
